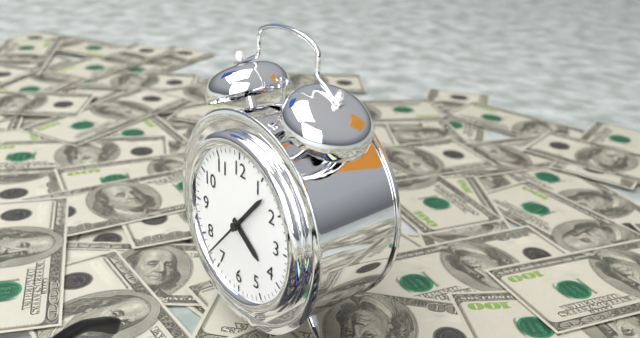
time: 4:07:37
